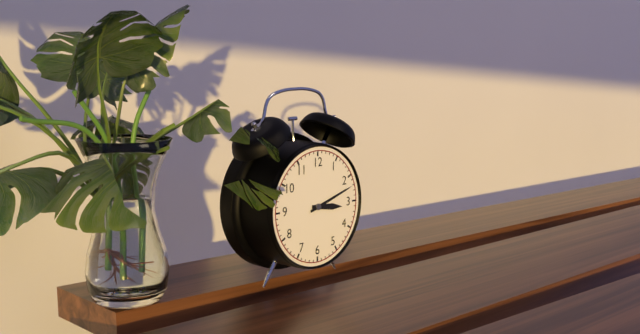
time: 3:12
